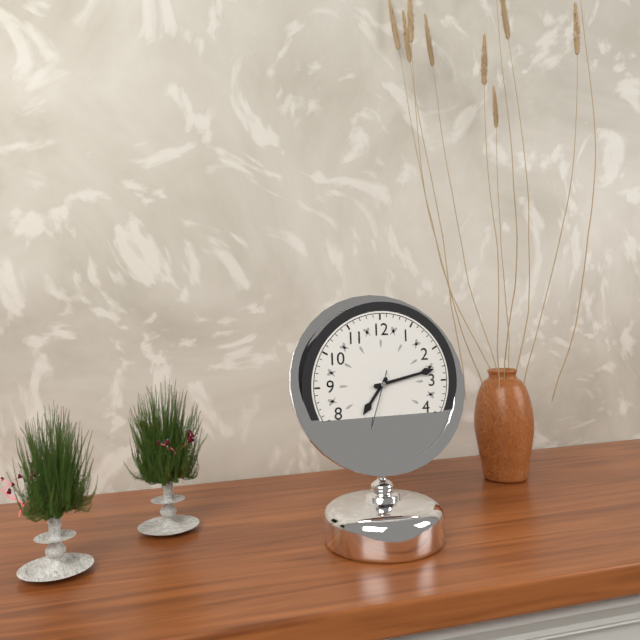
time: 7:13
